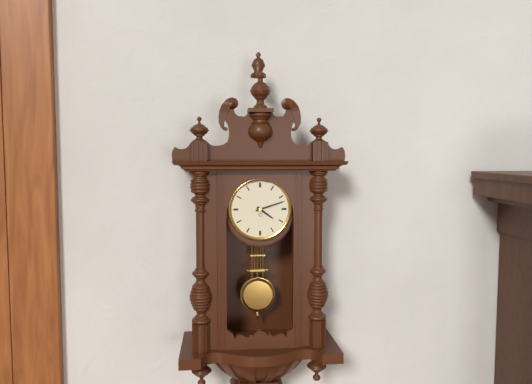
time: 4:12
